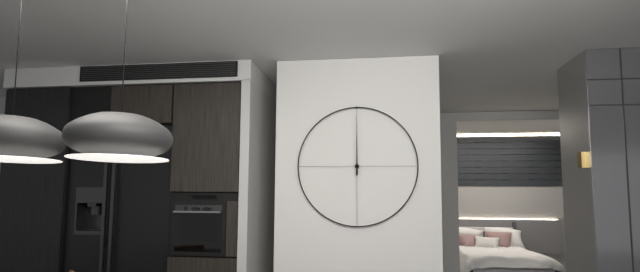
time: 12:00
